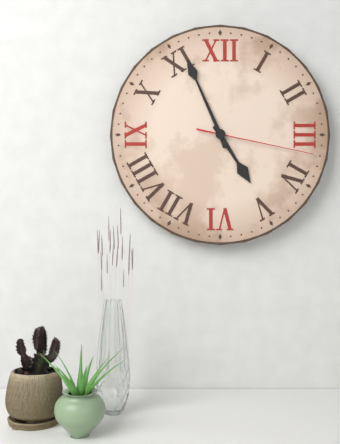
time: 4:56:17
